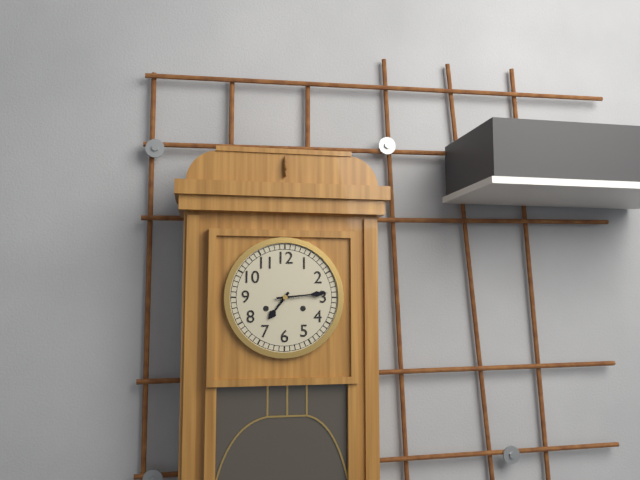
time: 7:14
